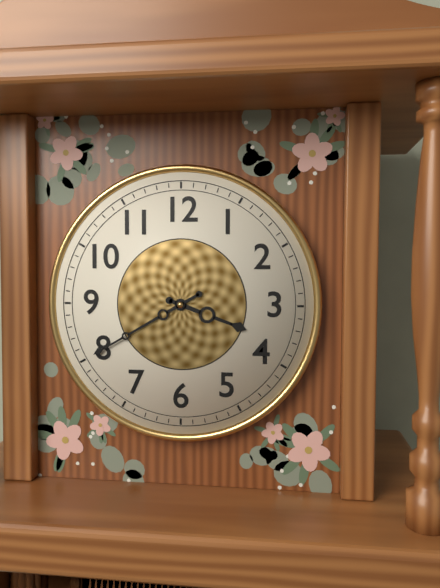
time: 3:40
